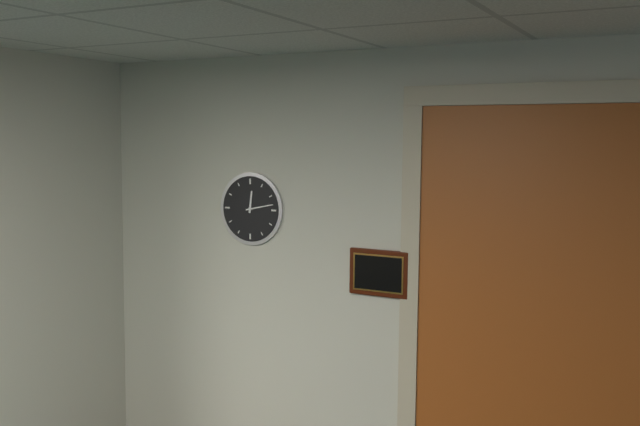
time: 12:13
